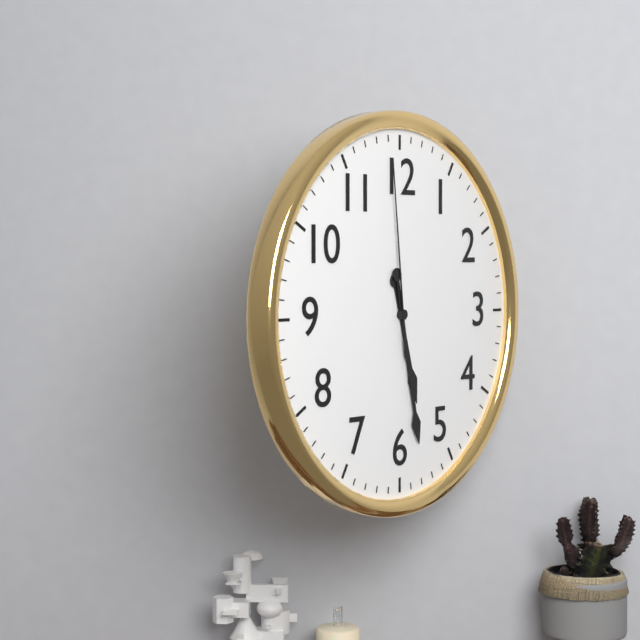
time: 5:28:59
